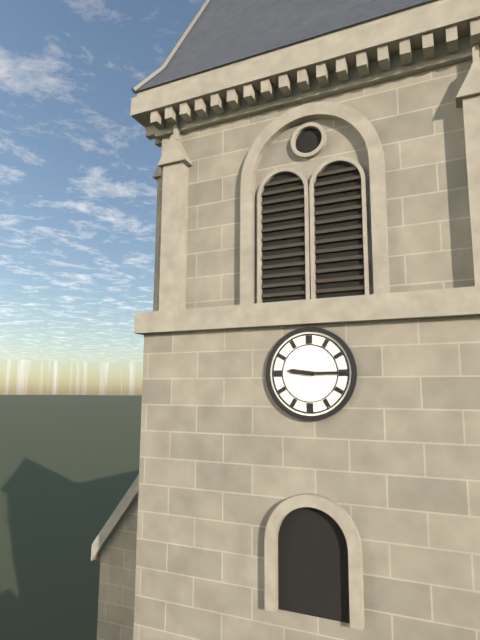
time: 9:15
